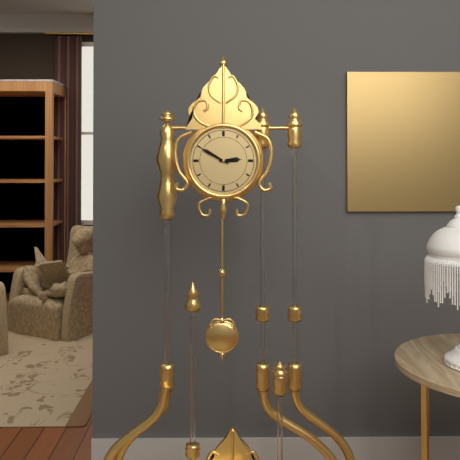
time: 2:50
